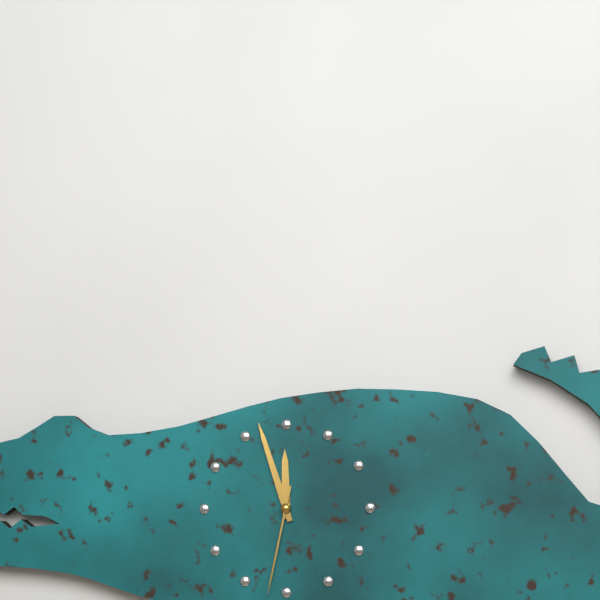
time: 11:57:32
